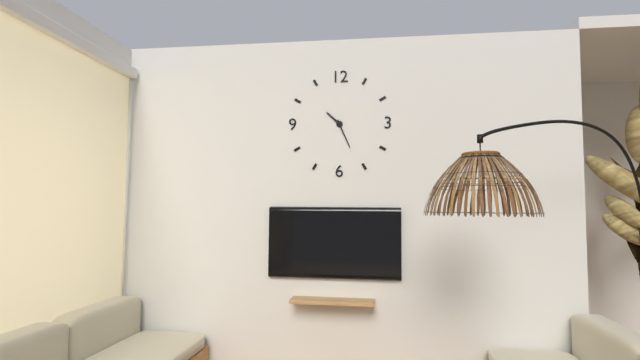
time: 10:26
